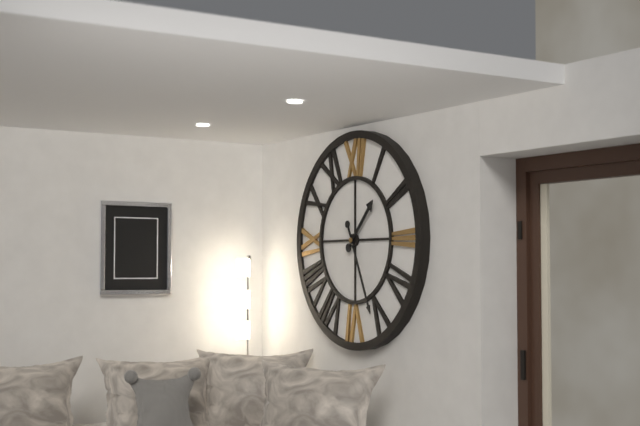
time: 1:26
